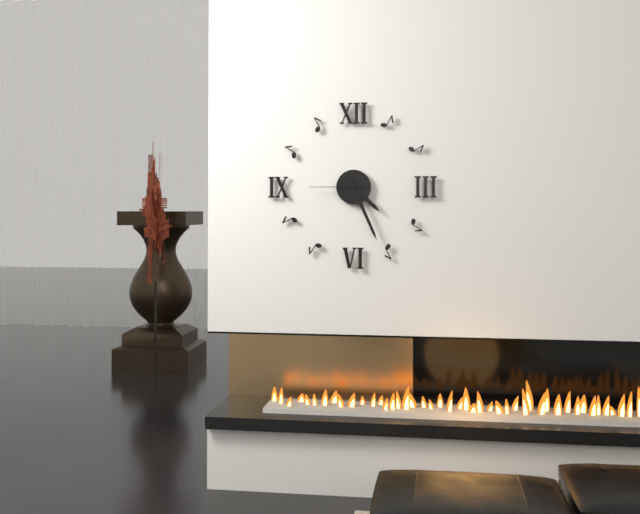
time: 4:26:45
